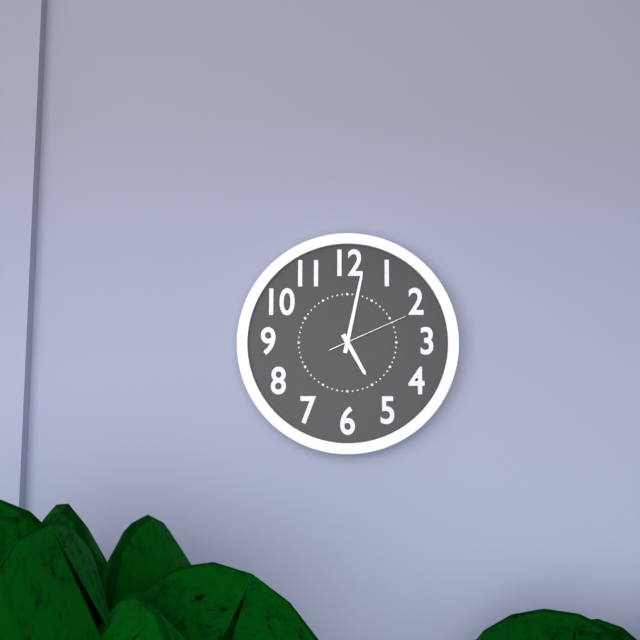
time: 5:02:11
